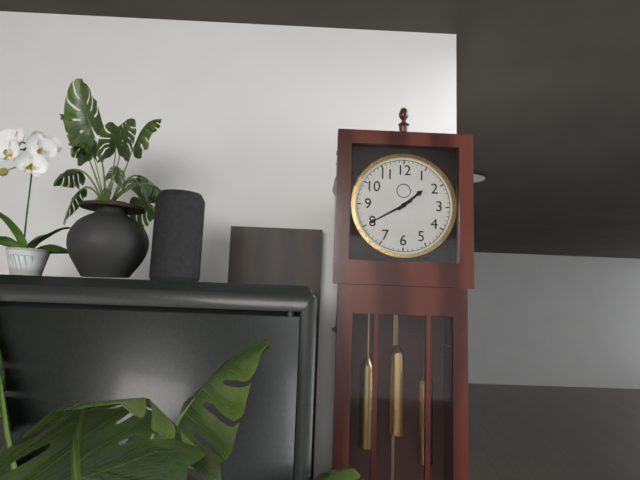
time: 1:40
